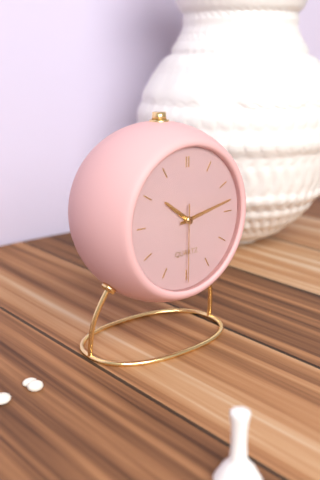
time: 10:13:30
